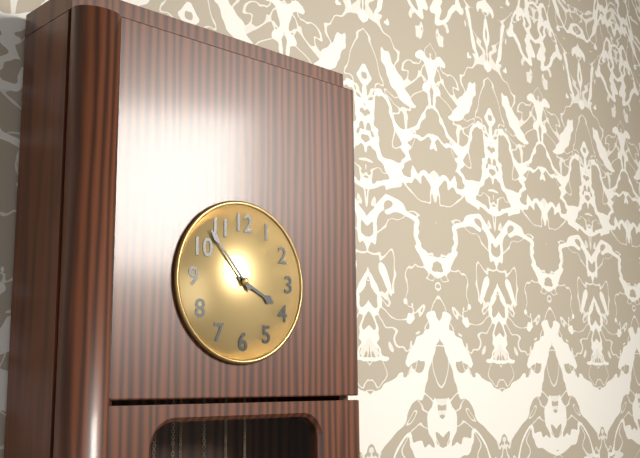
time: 3:53
